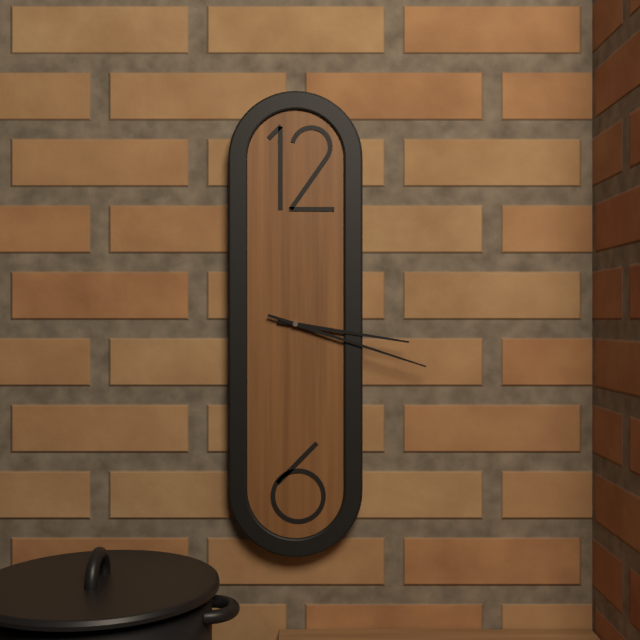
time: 3:18
